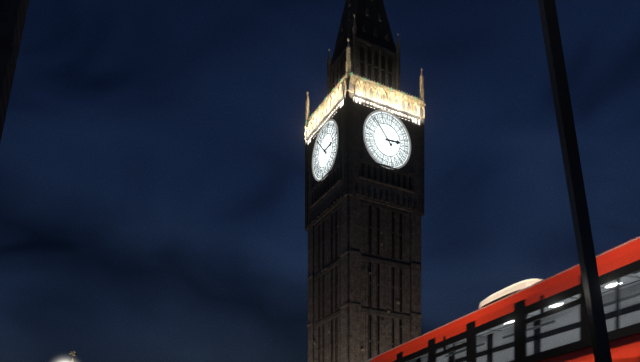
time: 2:53
